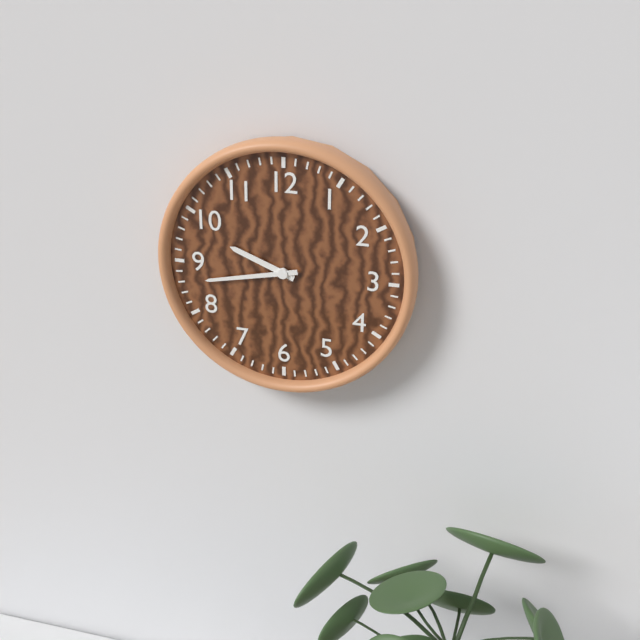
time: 9:43
